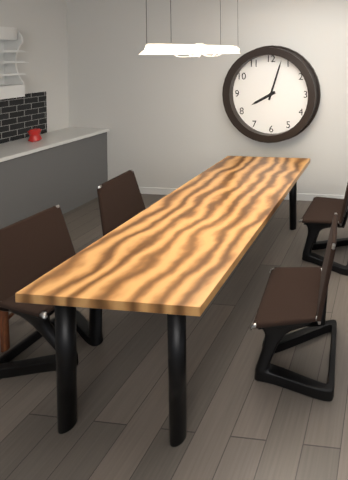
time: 8:03
